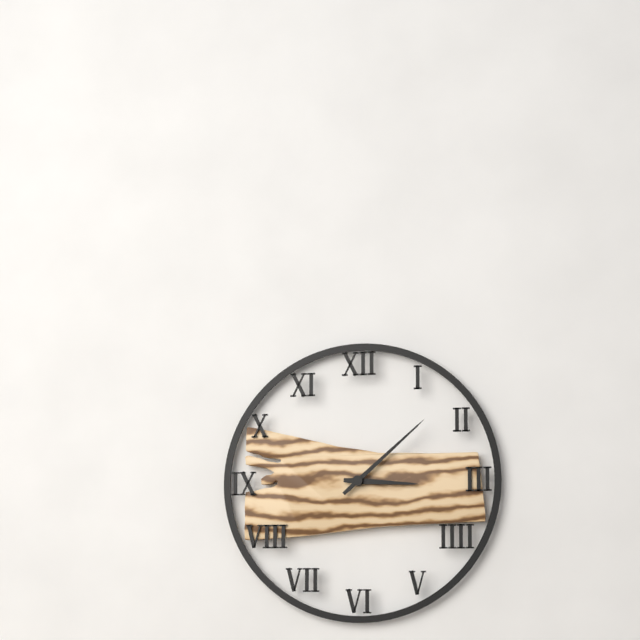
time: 3:08
